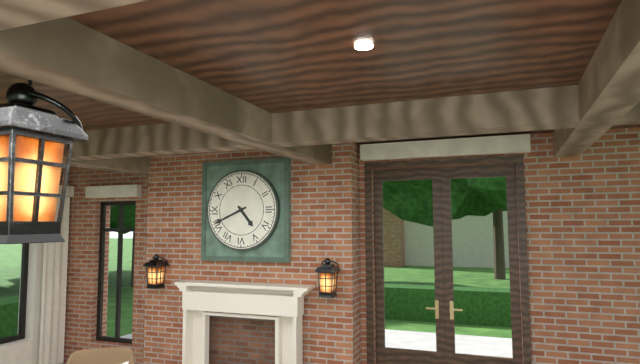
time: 4:41
